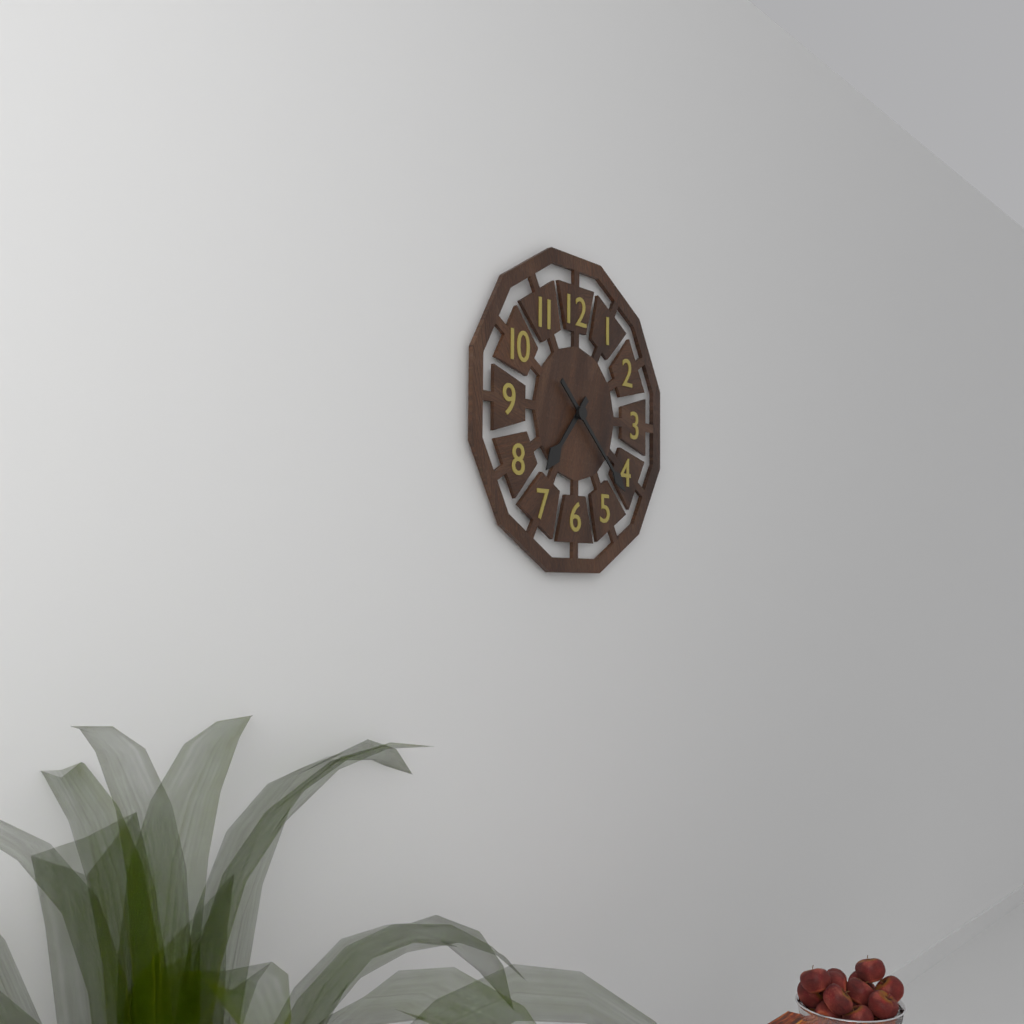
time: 7:22
